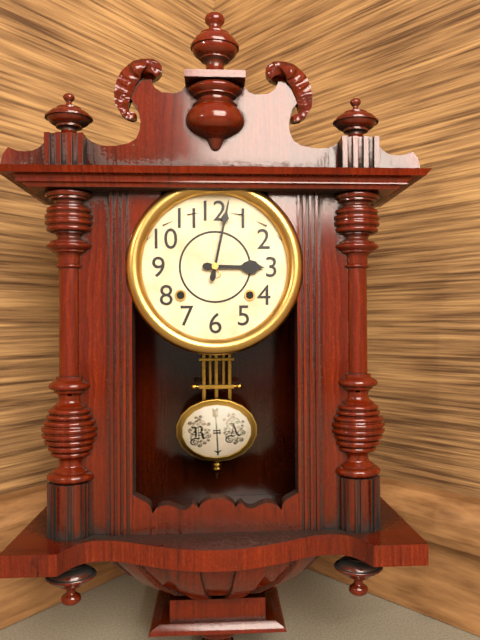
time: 3:02
